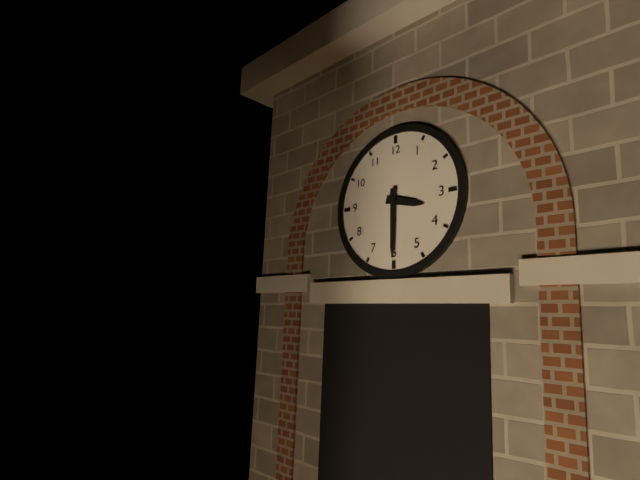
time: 3:30
